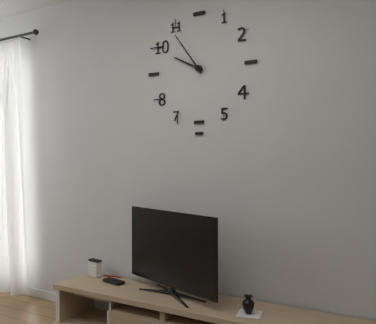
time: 9:54
